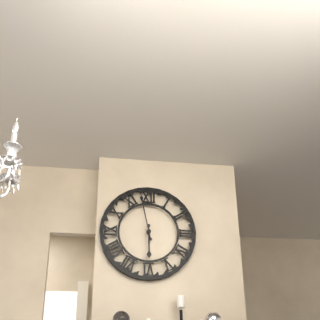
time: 5:58
